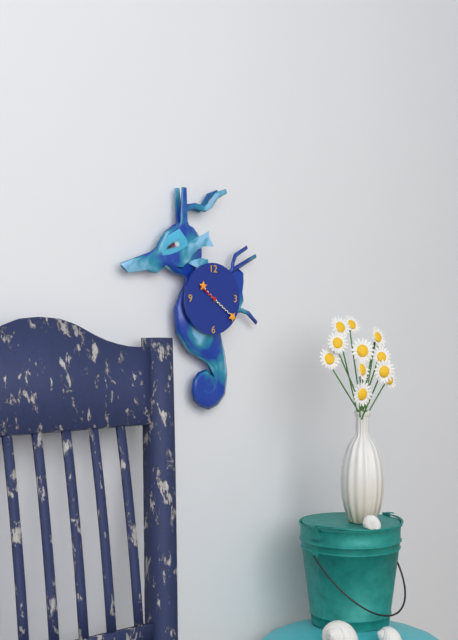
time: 10:21
